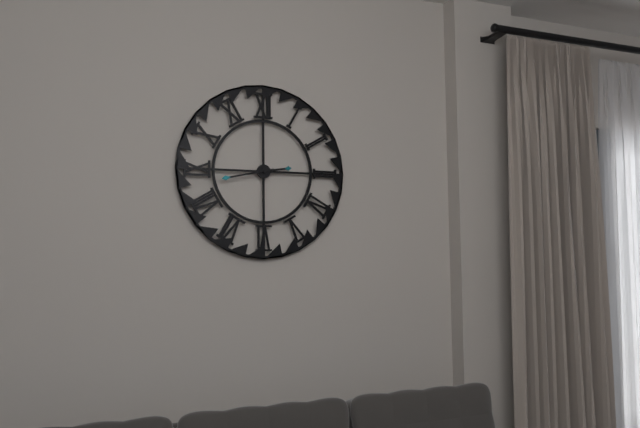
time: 2:43
